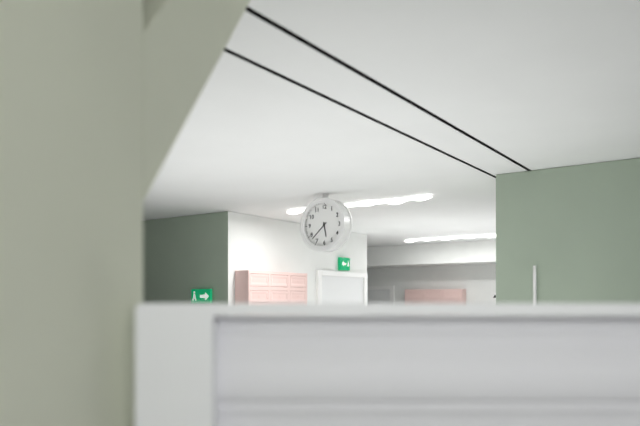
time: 5:38
